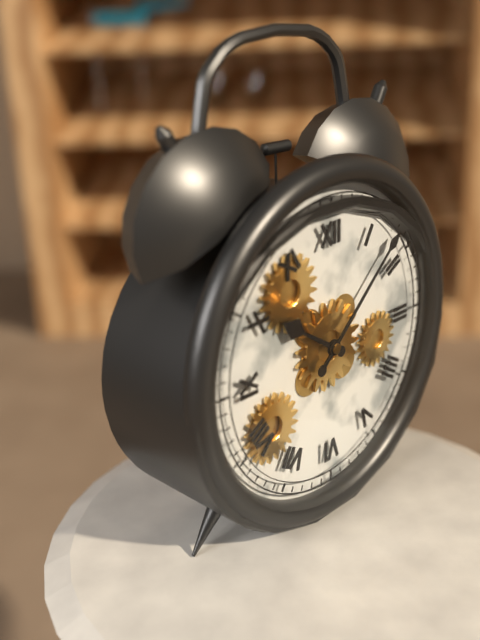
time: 10:08
